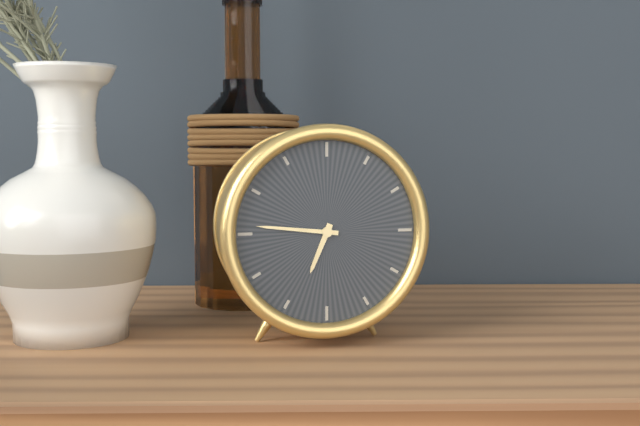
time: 6:46
